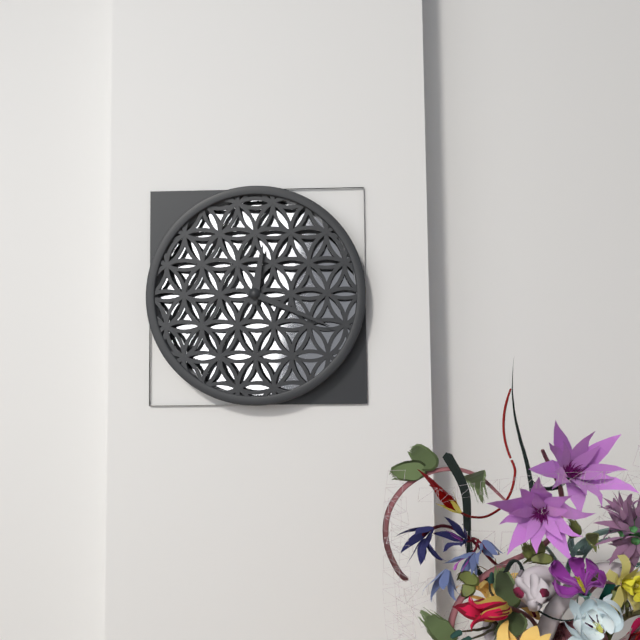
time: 12:19
